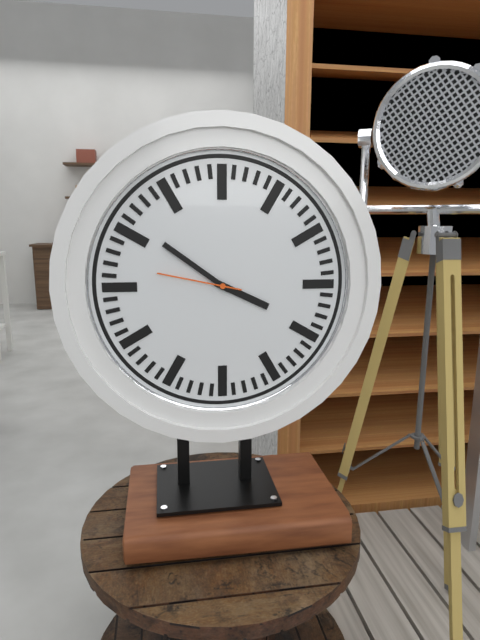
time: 3:51:47
